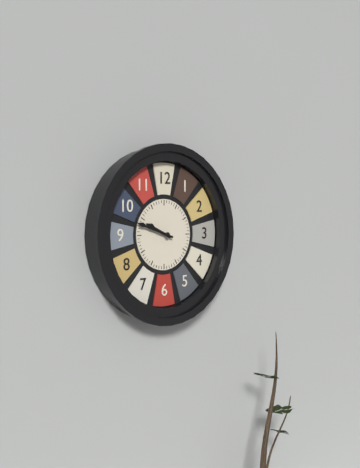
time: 9:48
